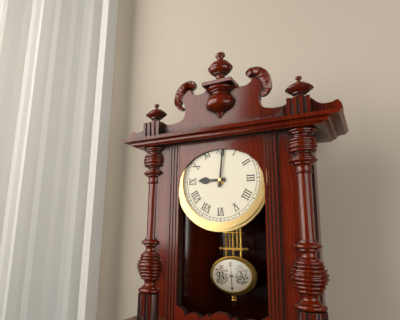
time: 9:01
